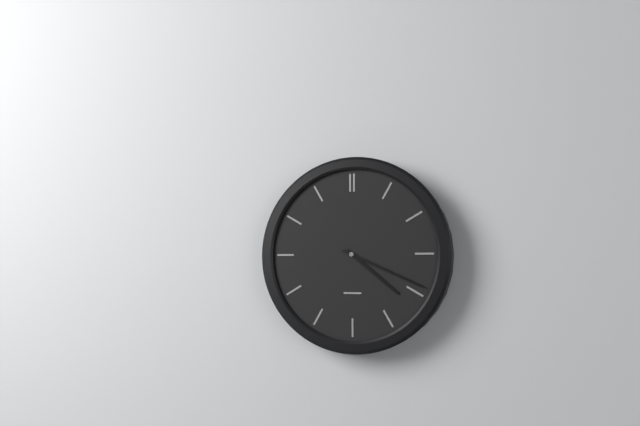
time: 4:19
